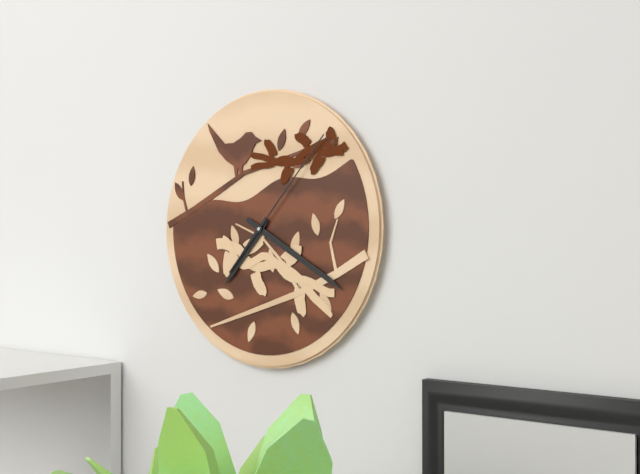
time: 7:20:07
